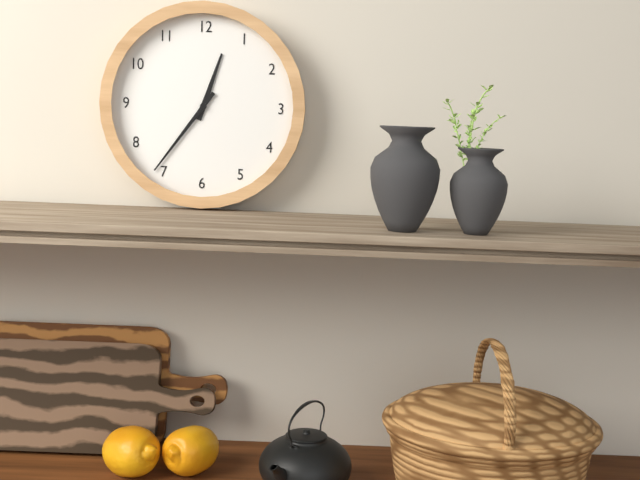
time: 12:36
